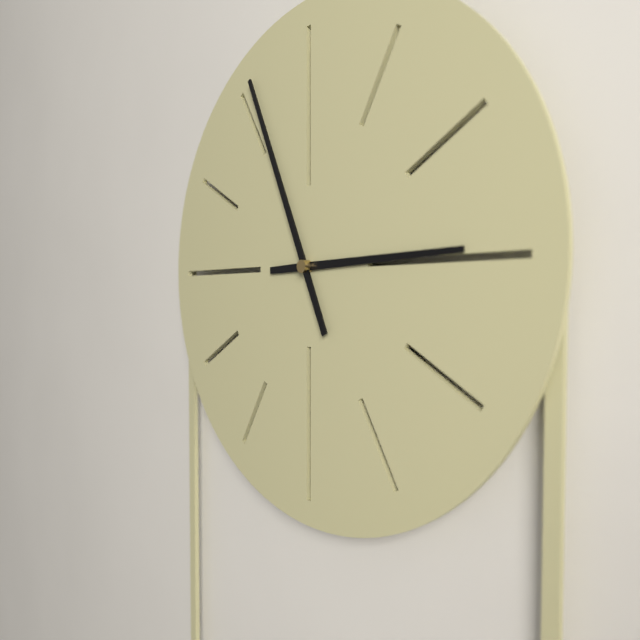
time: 2:56
